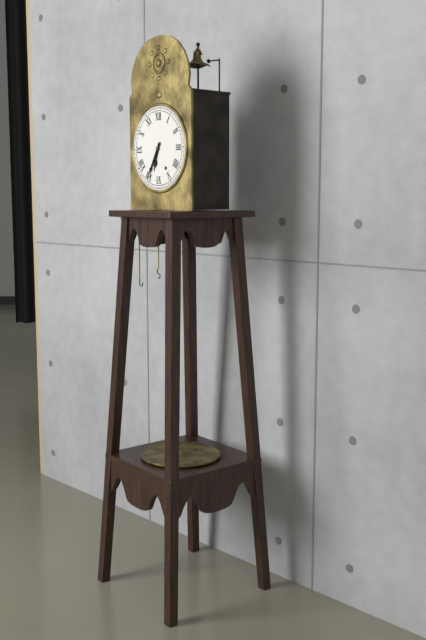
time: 6:35
